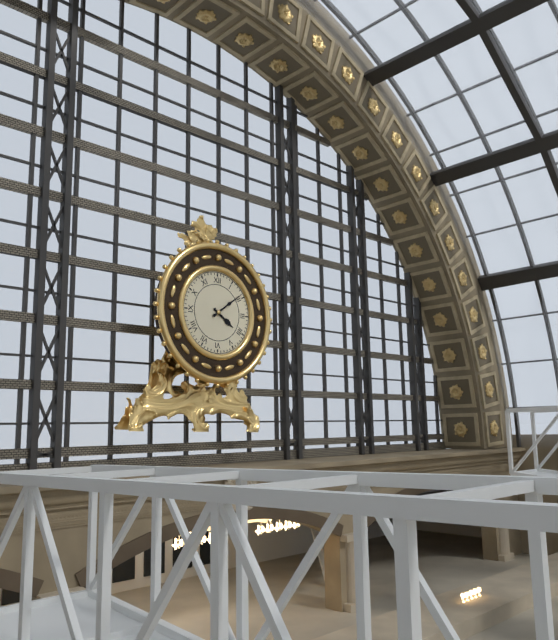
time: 4:09
